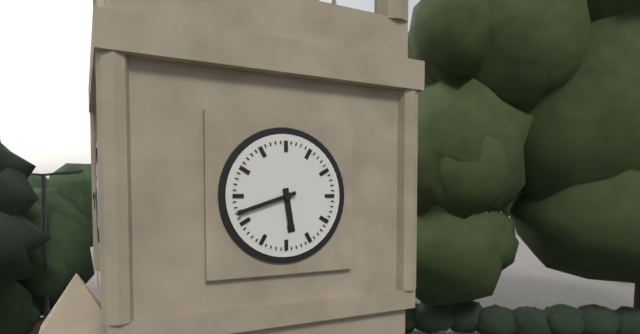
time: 5:42
